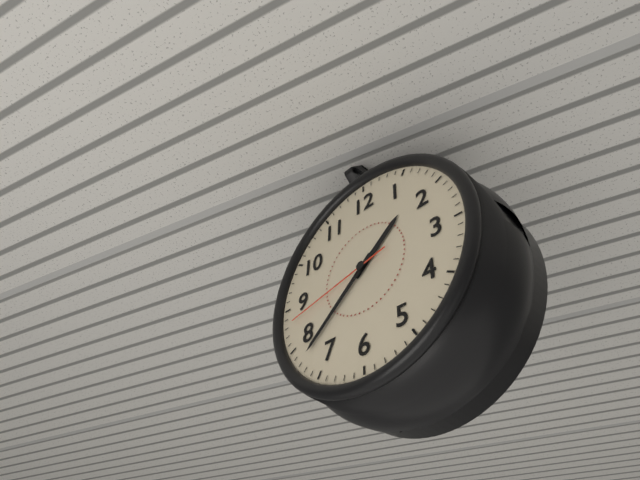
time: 1:38:43
